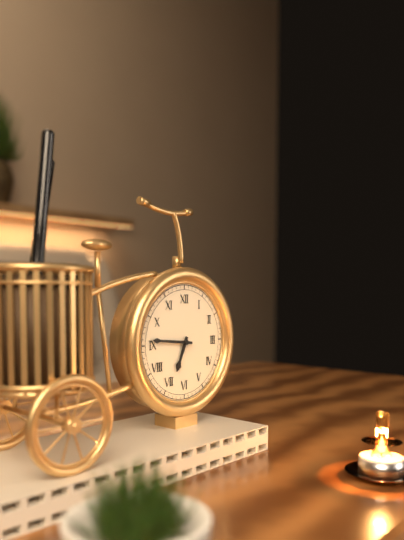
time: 6:46
